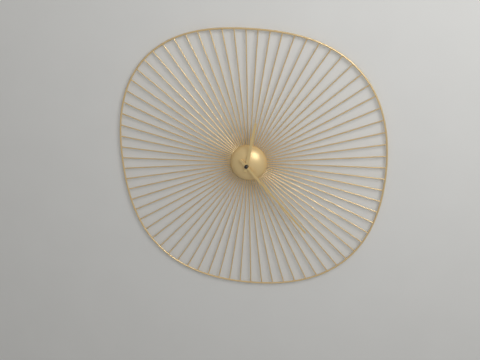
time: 12:23
